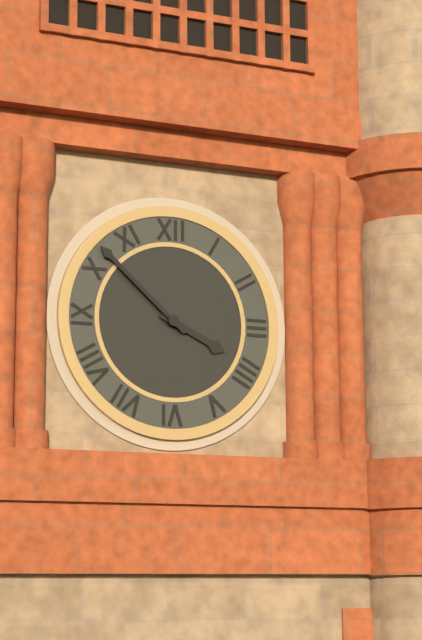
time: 3:52
